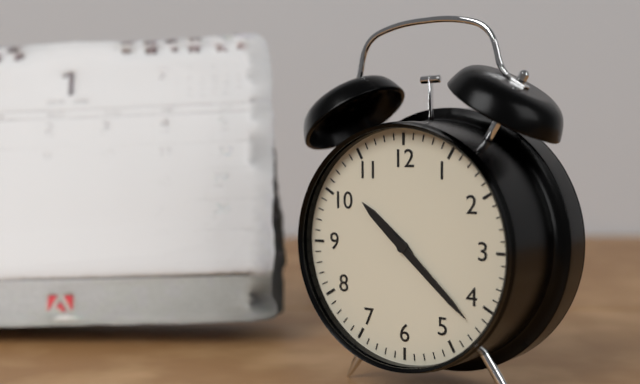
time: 10:22
